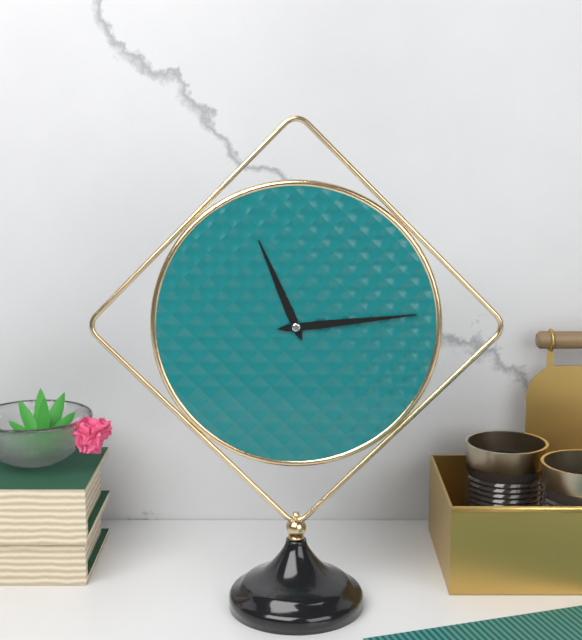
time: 11:14
